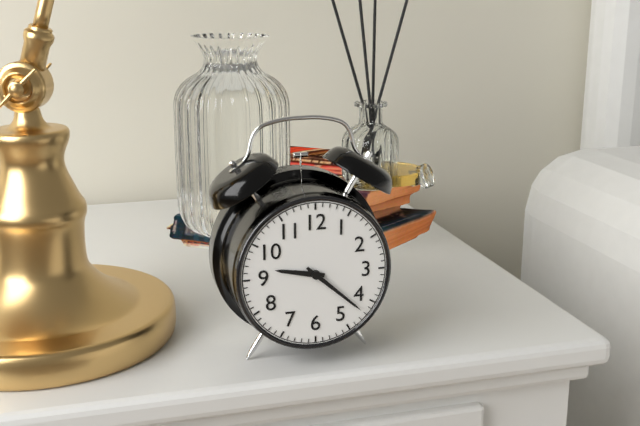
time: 9:22
